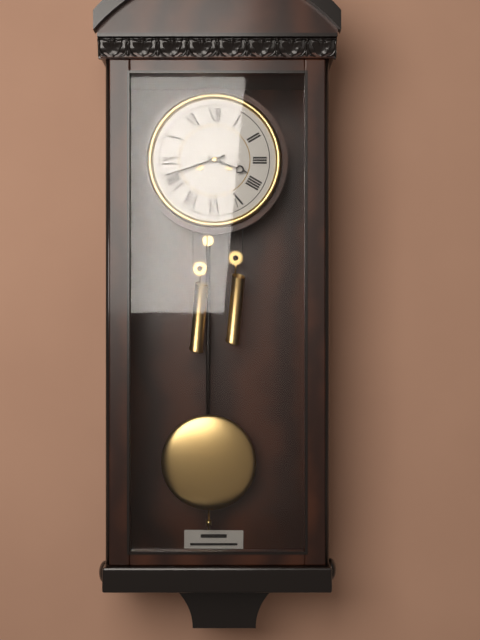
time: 3:42
